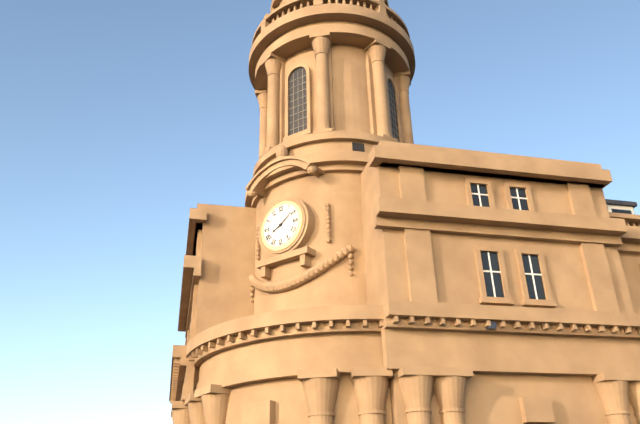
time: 8:09
